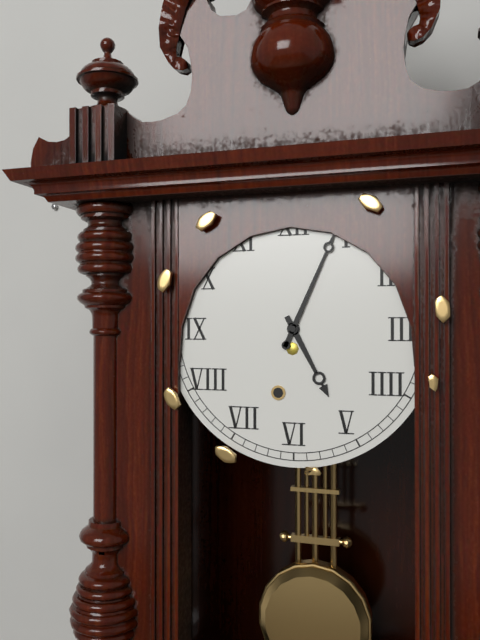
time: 5:04
